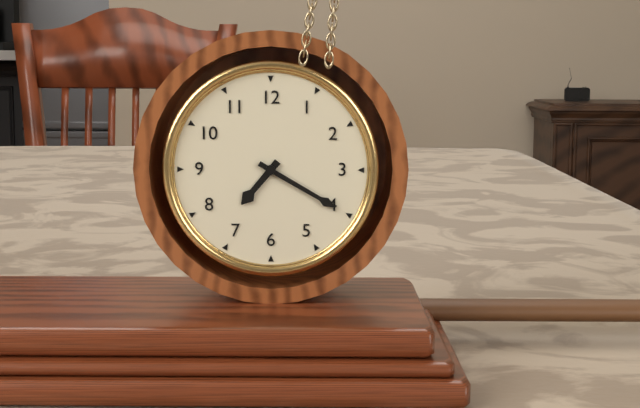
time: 7:20
